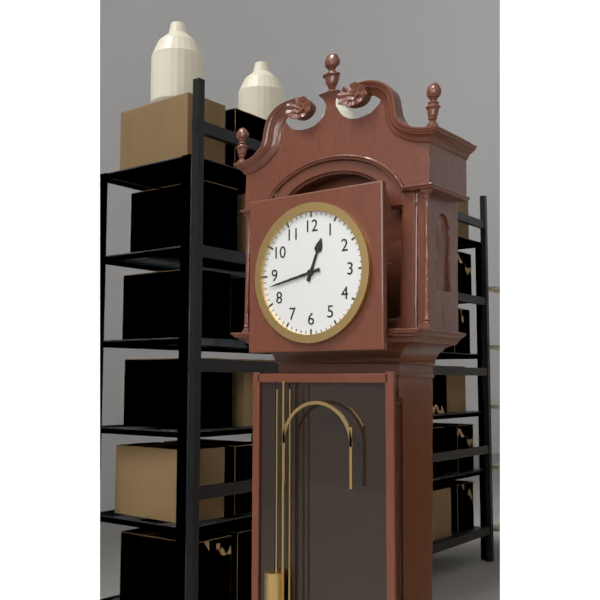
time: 12:43
